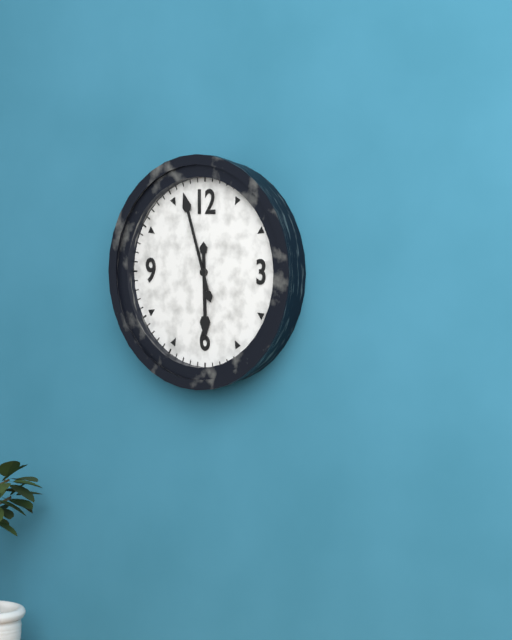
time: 5:57
